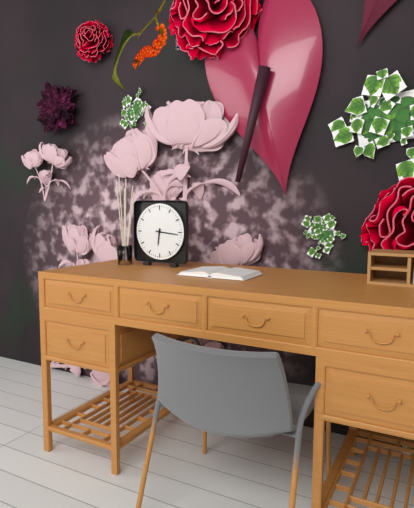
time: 6:16
